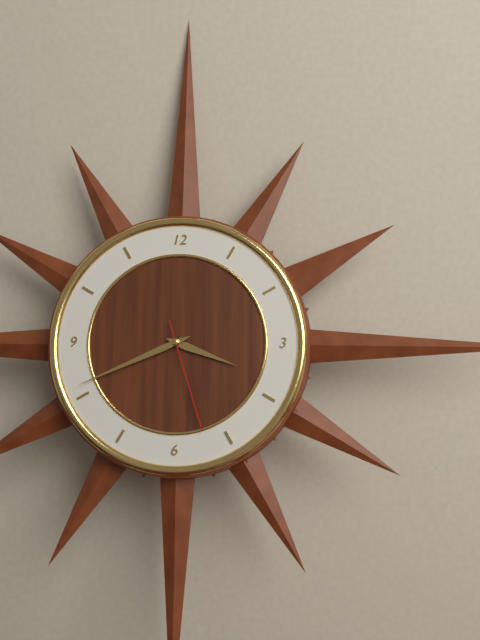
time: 3:41:27
